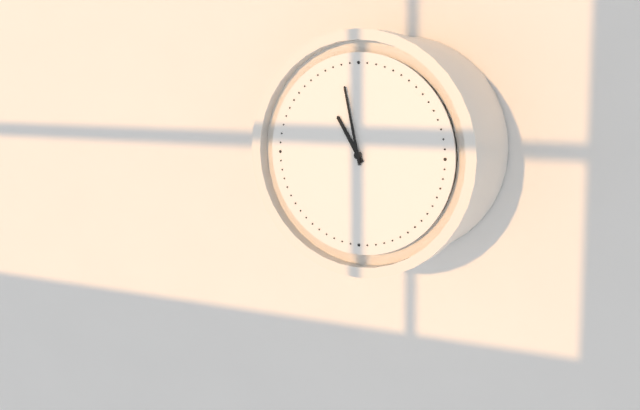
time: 10:58
